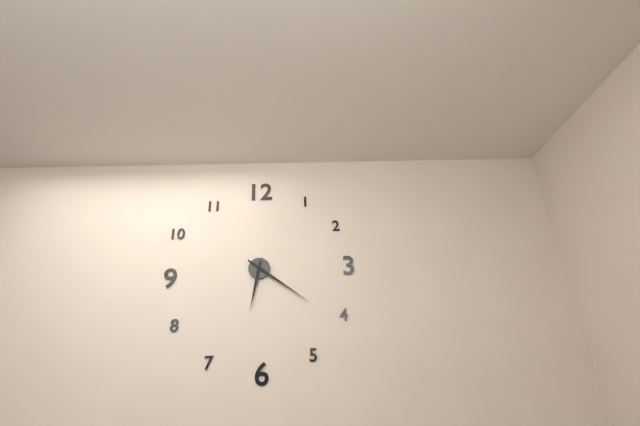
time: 6:21
